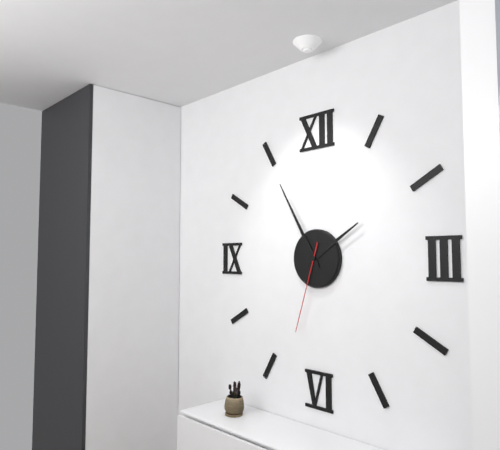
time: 1:55:33
